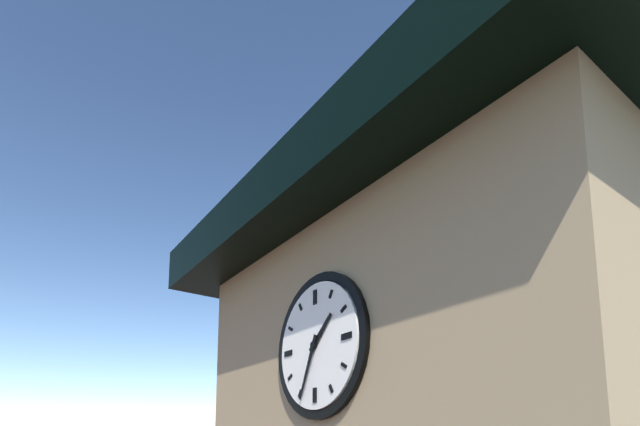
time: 1:34
